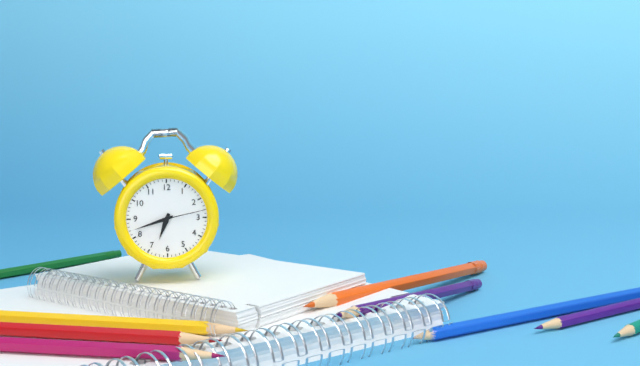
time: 6:42
